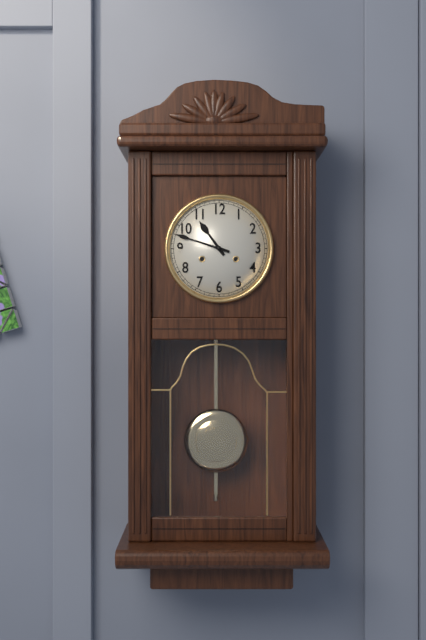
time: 10:48
